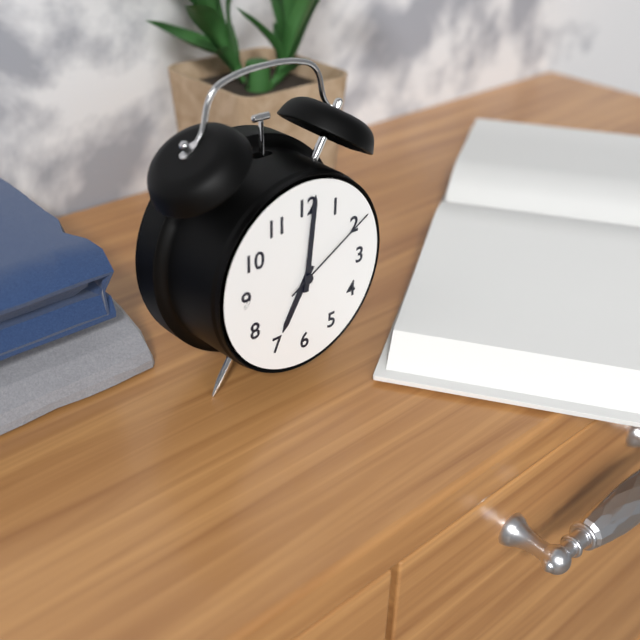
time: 7:01:10
